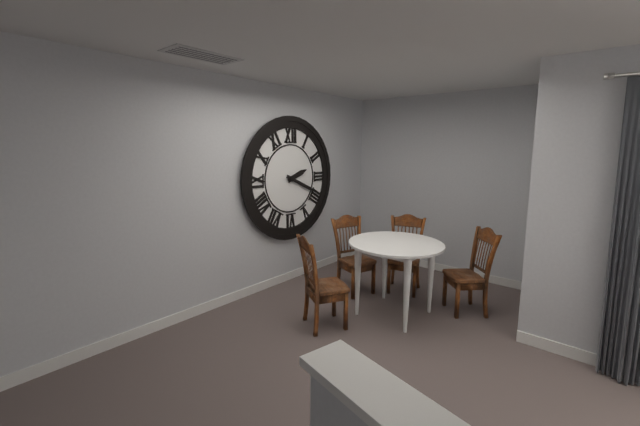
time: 2:19
